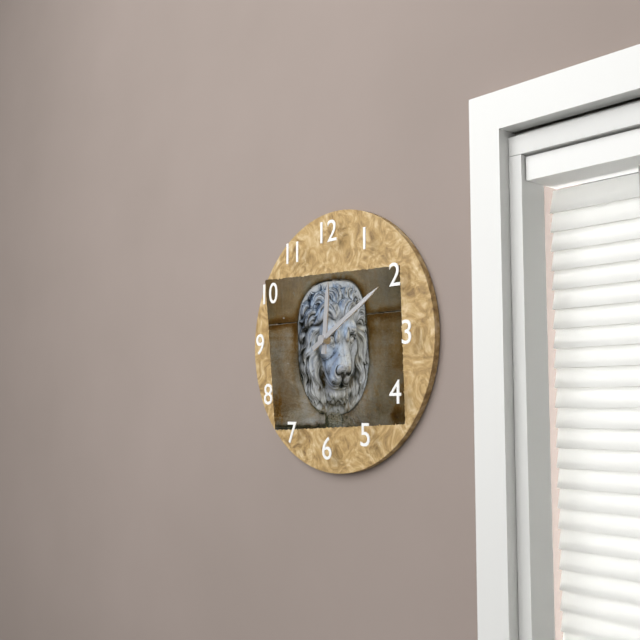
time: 12:10
